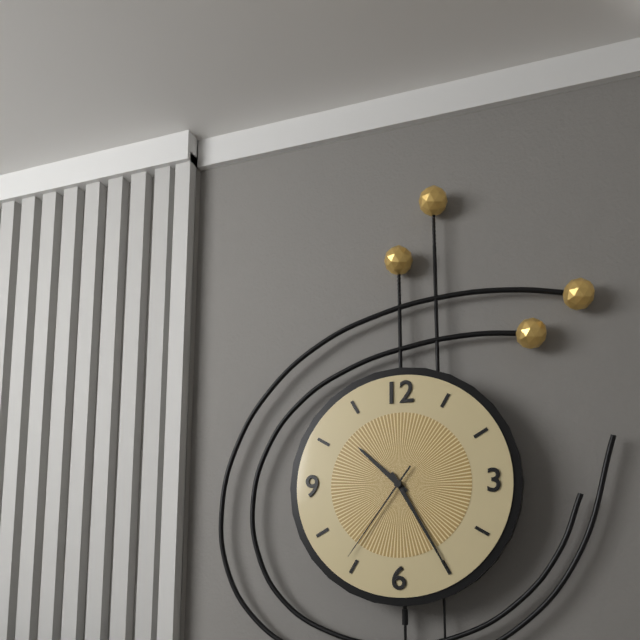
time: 10:25:36
